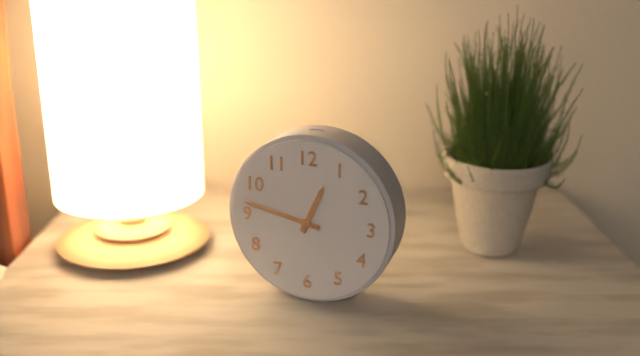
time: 12:47
